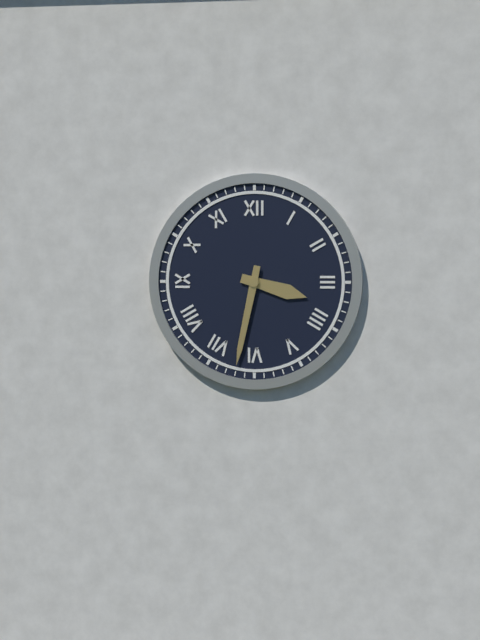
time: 3:32
